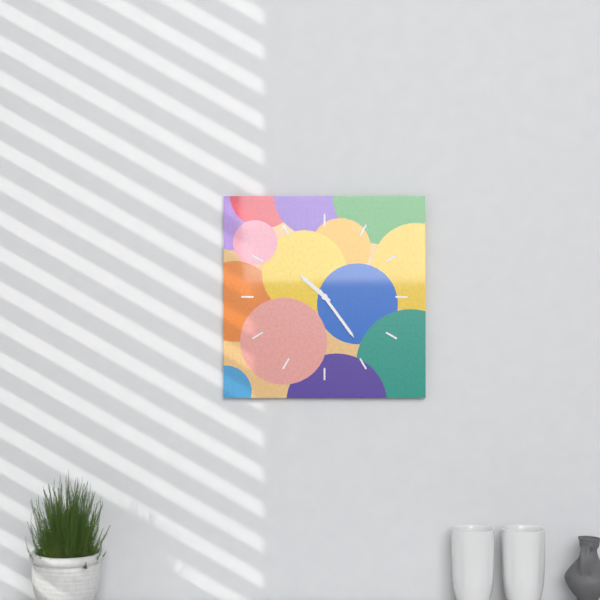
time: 10:24
